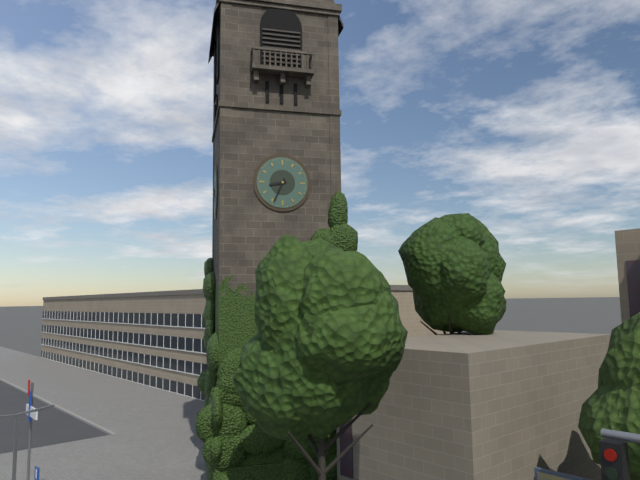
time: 8:34
